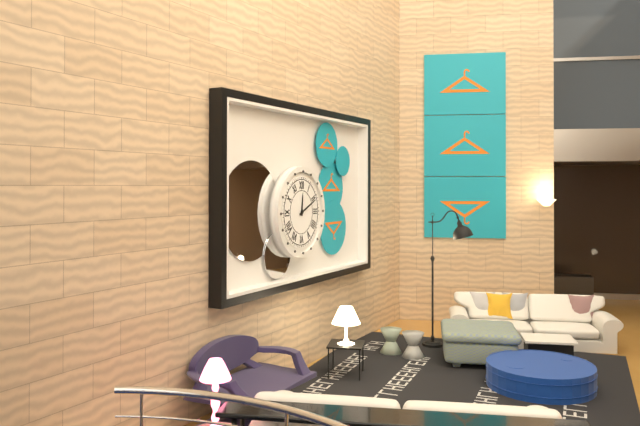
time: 12:11
